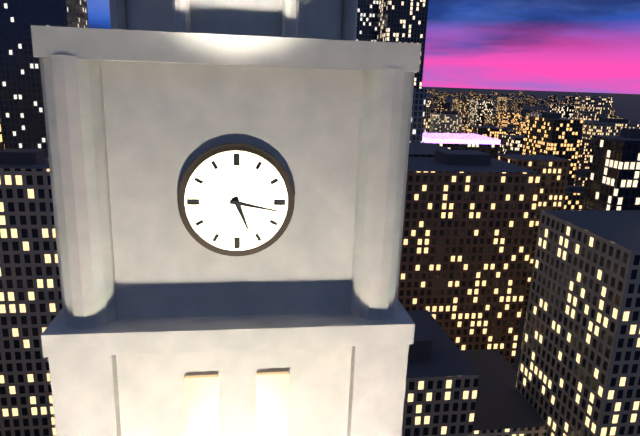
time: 5:17
